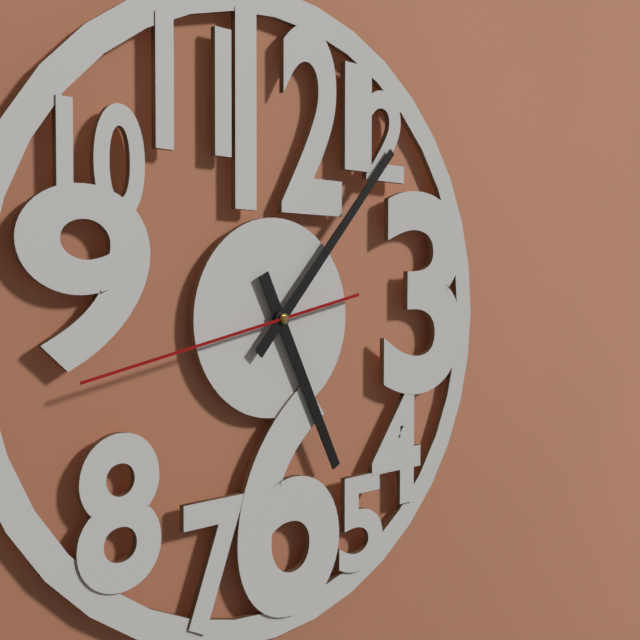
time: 5:07:43
